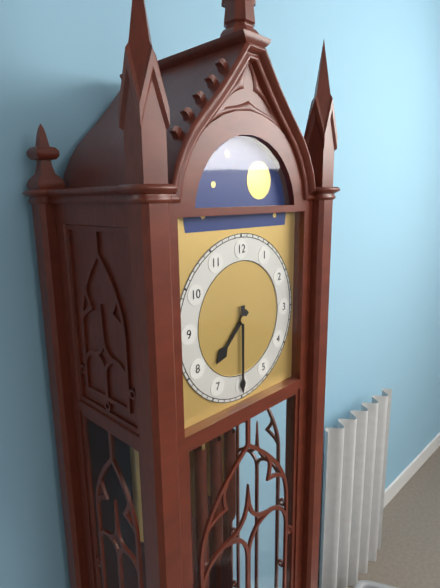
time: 7:30
